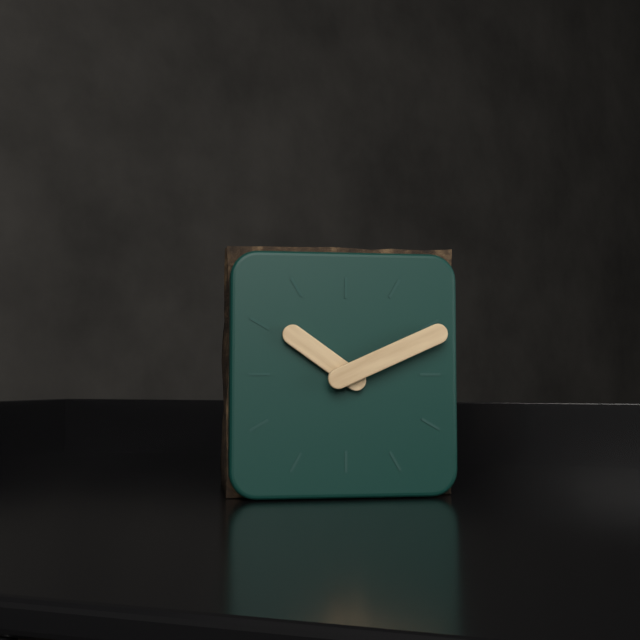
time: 10:11
